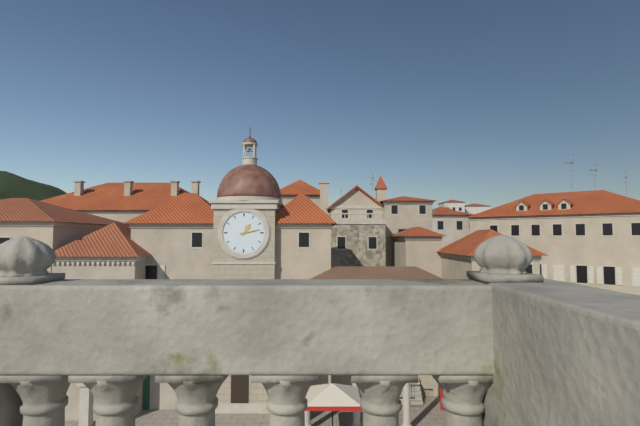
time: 1:13
